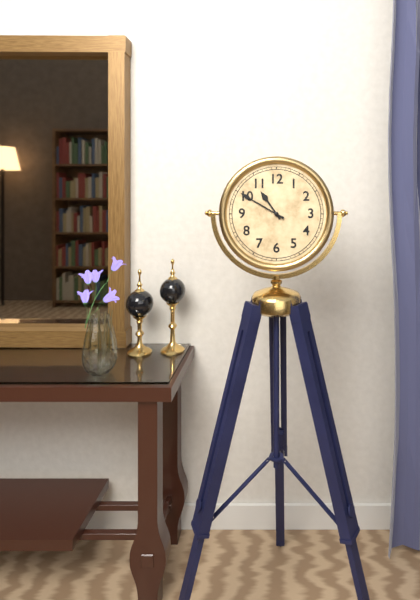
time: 10:50
